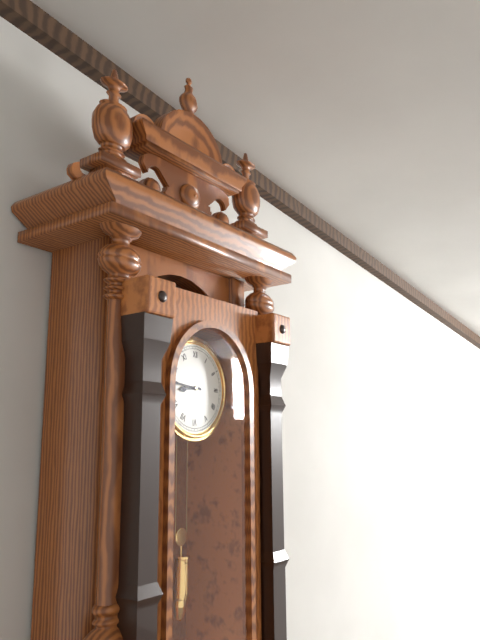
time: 8:46
